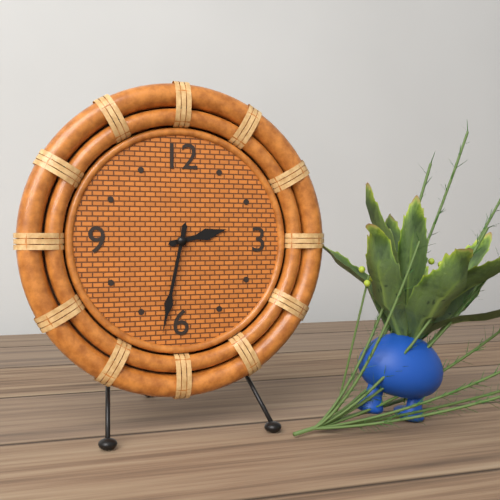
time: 2:32
